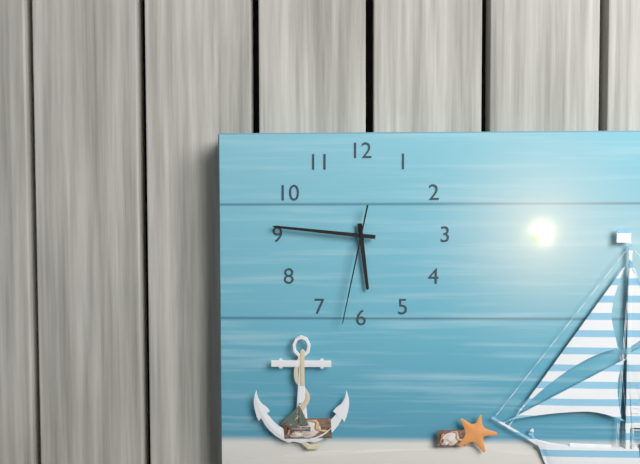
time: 5:46:32
